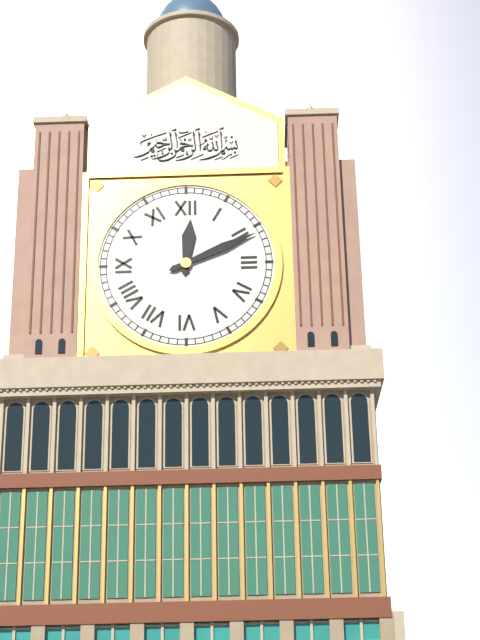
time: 12:11
